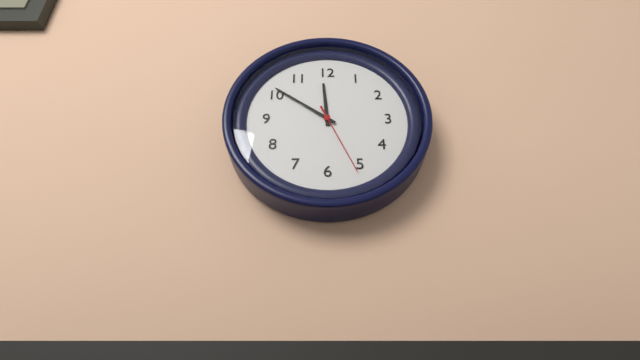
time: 11:51:26
